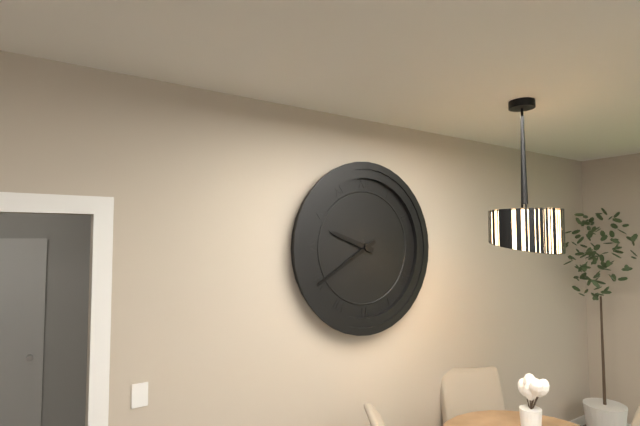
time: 9:40
